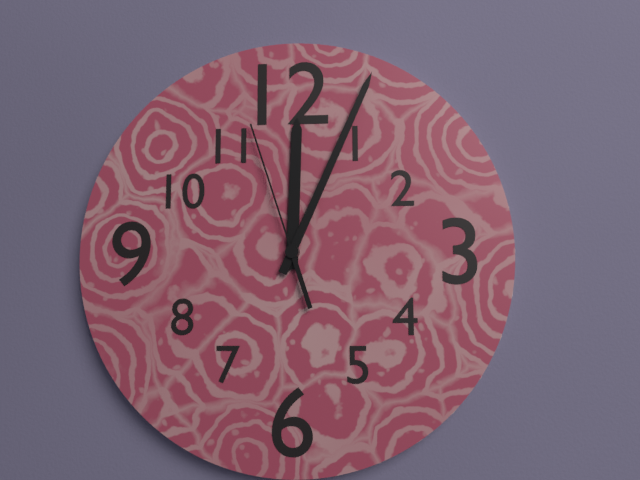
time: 12:04:57
